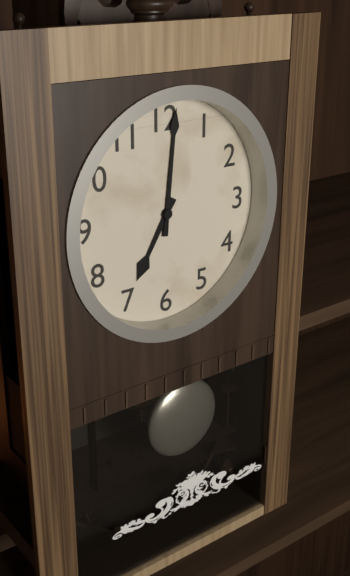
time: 7:01
